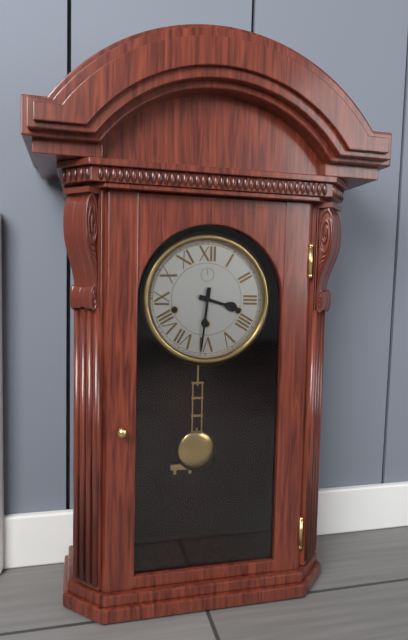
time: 3:31
